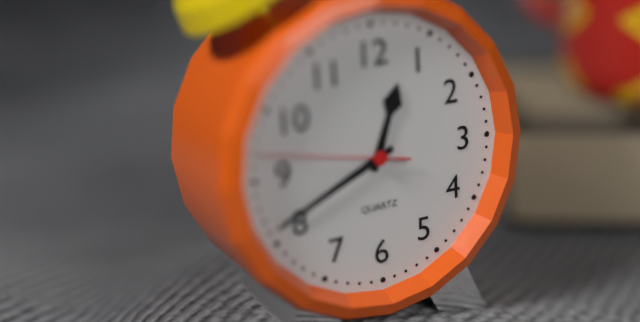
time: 12:41:47
